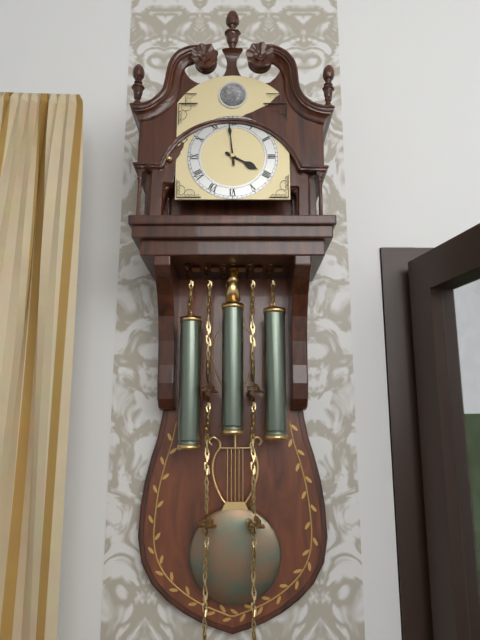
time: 3:59
